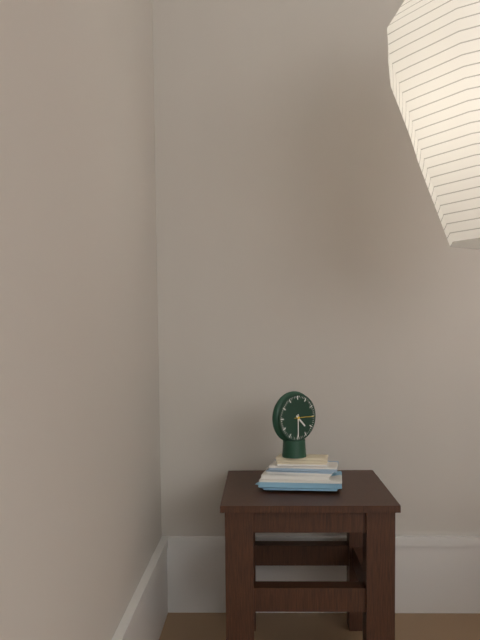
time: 4:30
